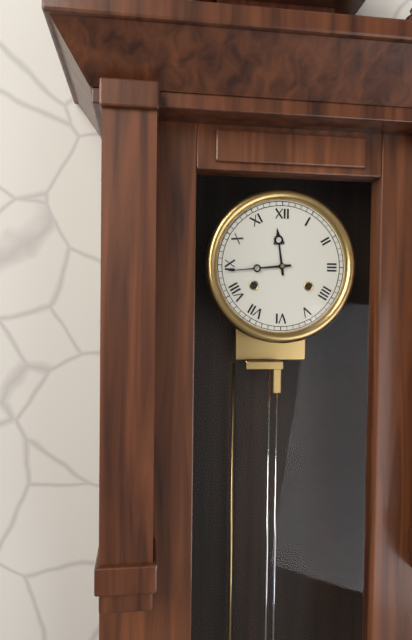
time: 11:44
